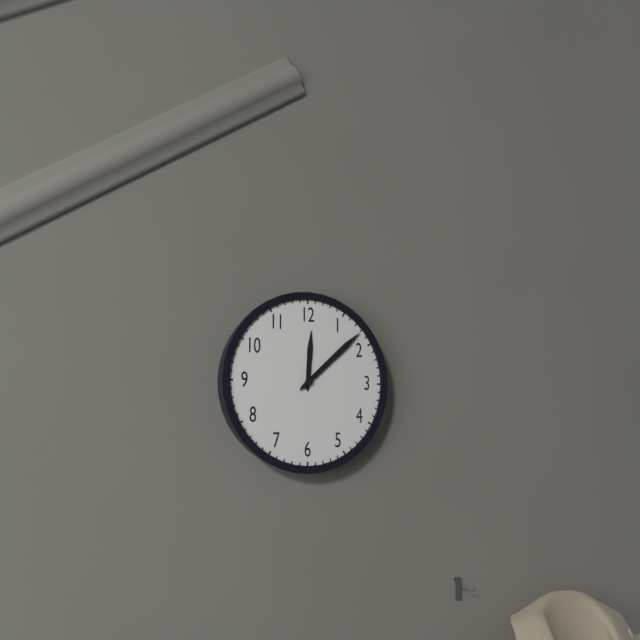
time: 12:08
